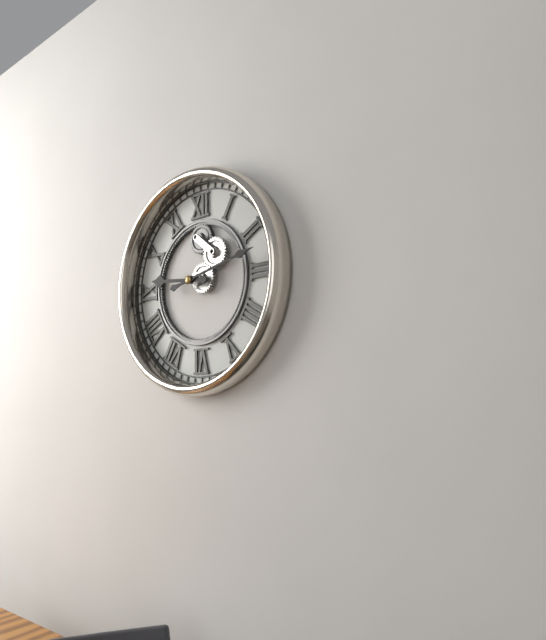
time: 9:13
